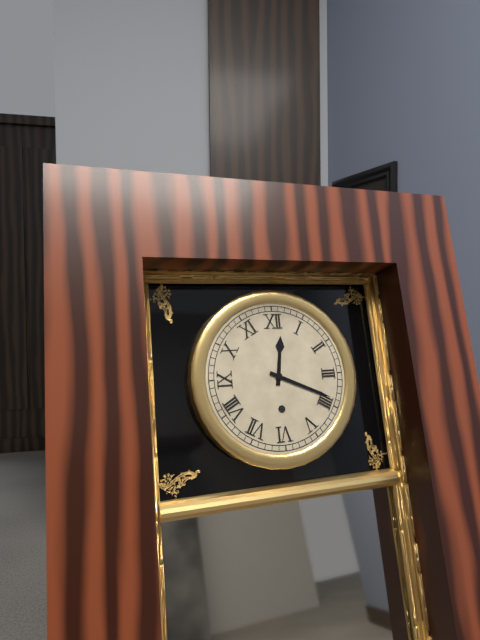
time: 12:19
